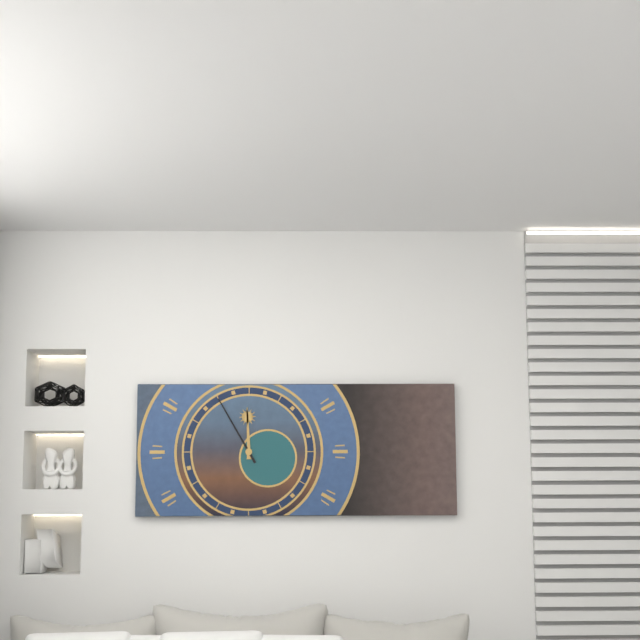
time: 11:55
